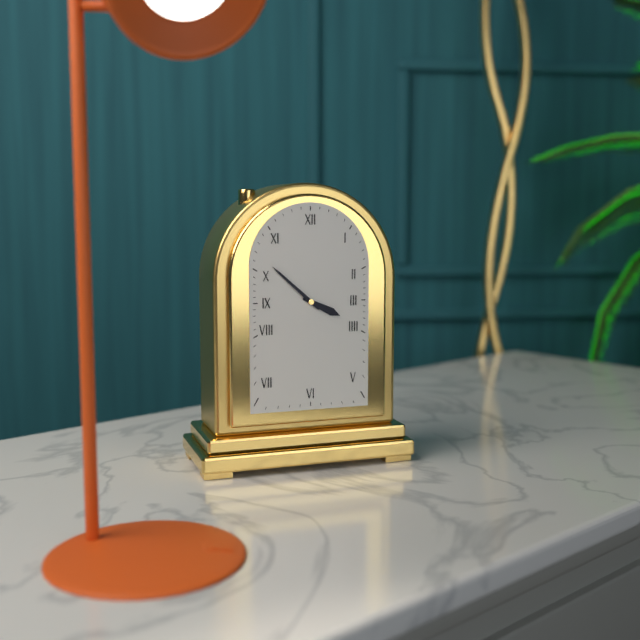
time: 3:52
